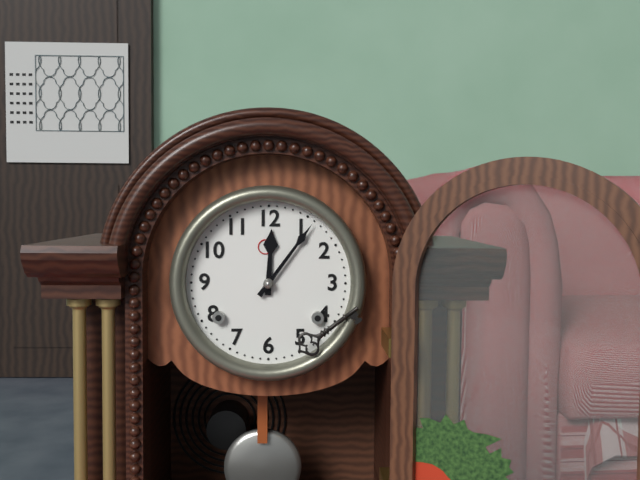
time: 12:06
